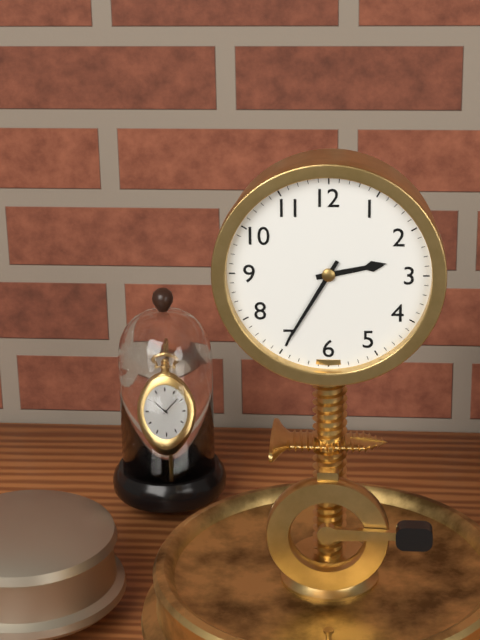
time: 2:35
